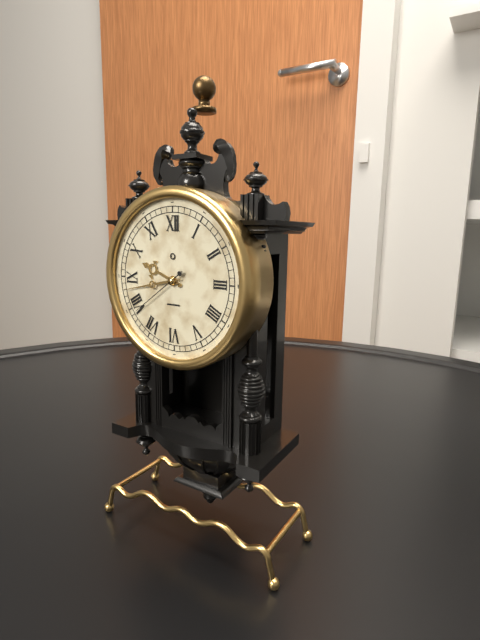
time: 9:43:39
